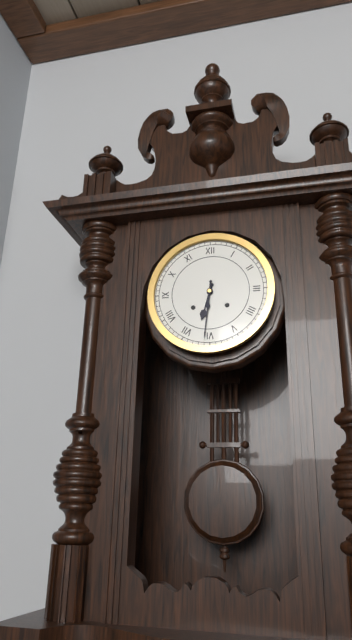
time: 6:31
